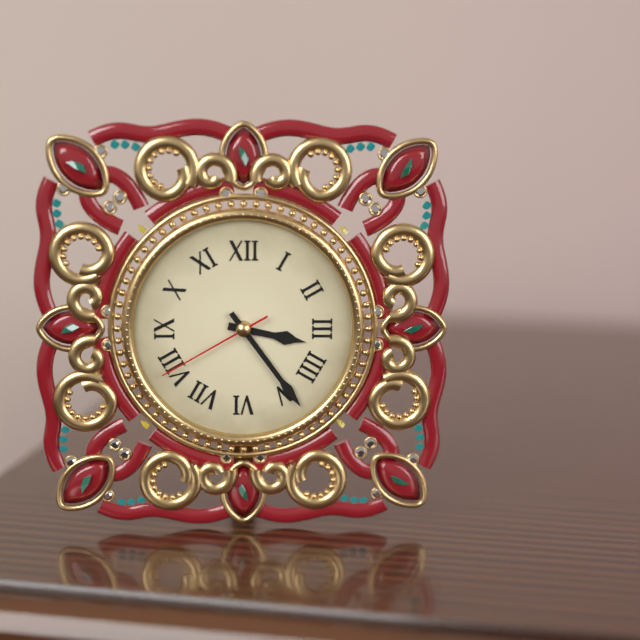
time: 3:24:40
